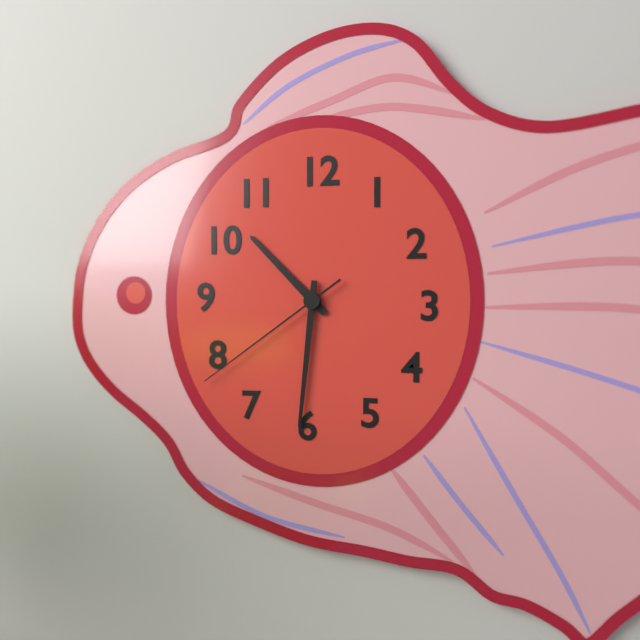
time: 10:31:39
